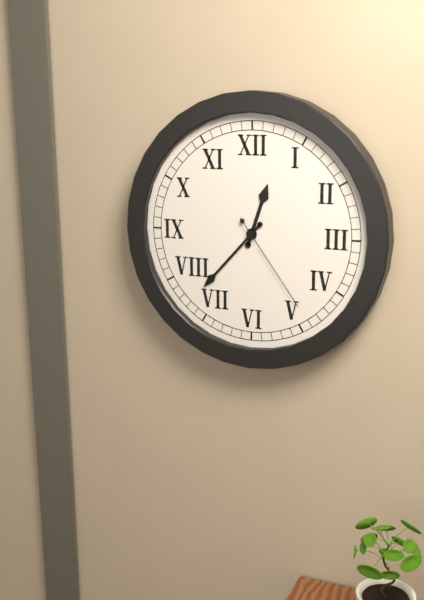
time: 12:37:24
